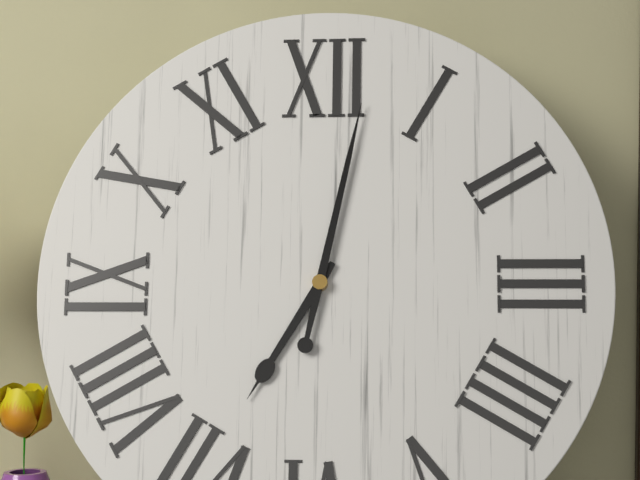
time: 7:02
